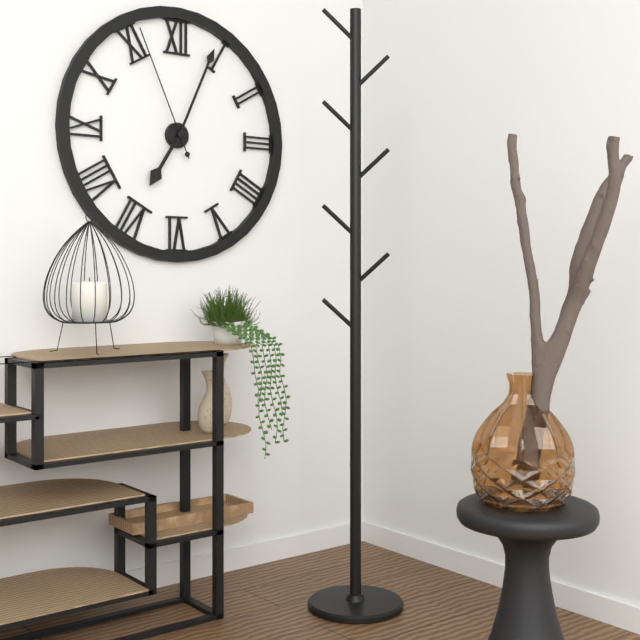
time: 7:04:56
